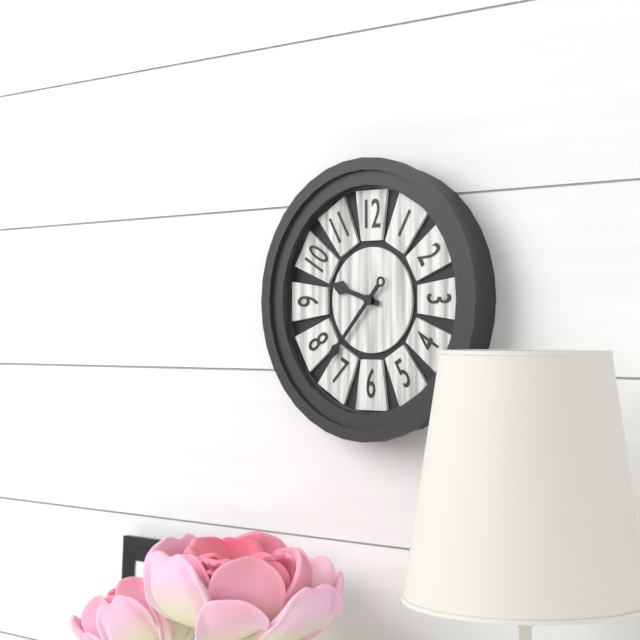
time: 9:37
